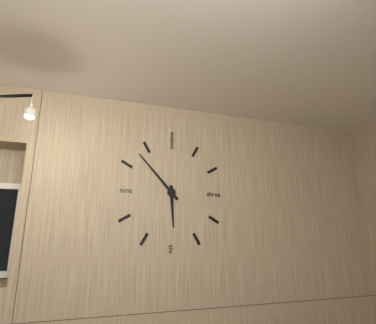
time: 5:53
